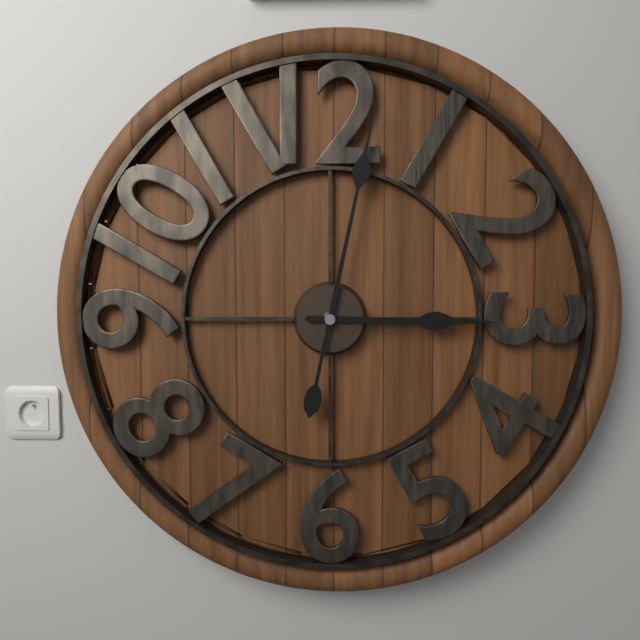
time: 3:02
